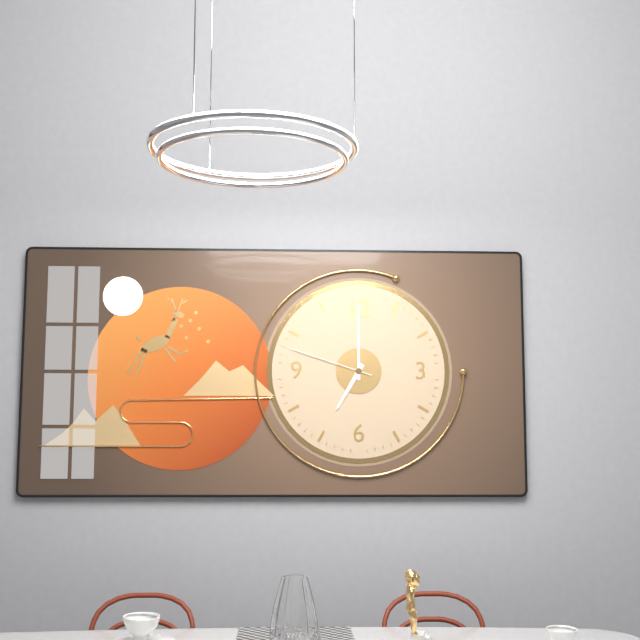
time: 7:00:48
